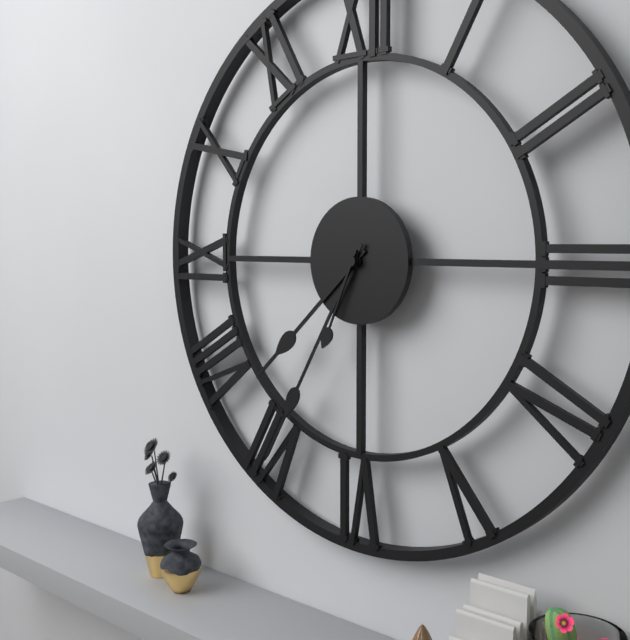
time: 7:35:34
